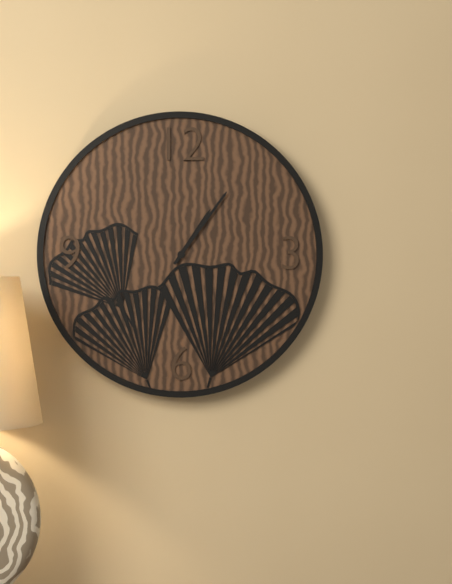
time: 1:06
